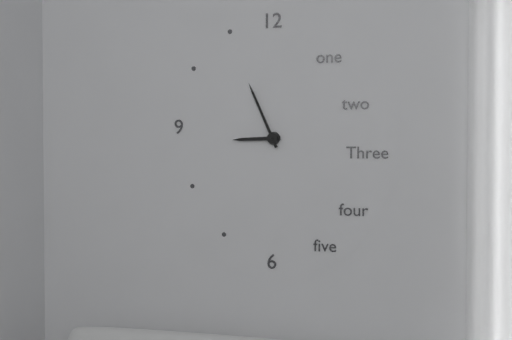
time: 8:56
